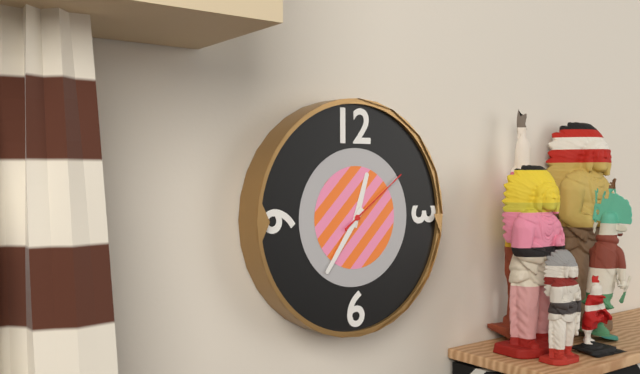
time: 12:36:09
